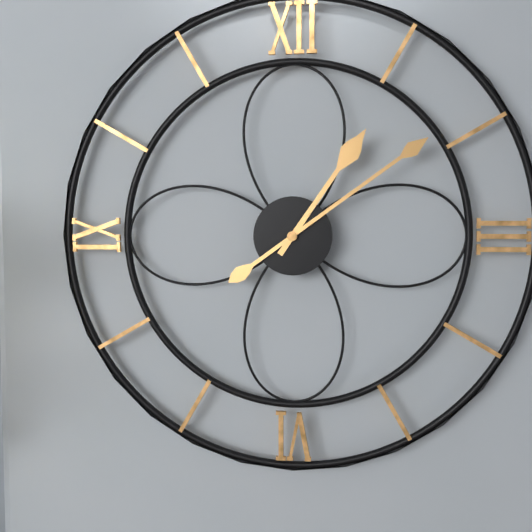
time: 1:09
